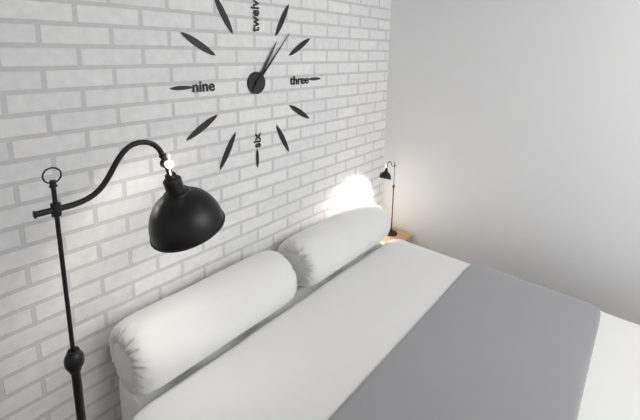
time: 1:07
